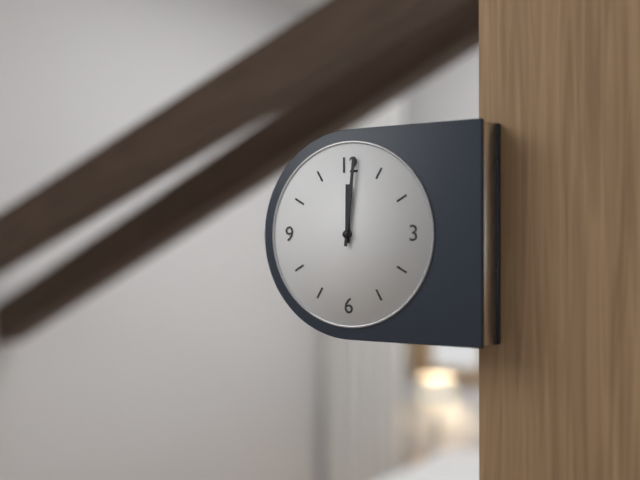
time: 12:01
